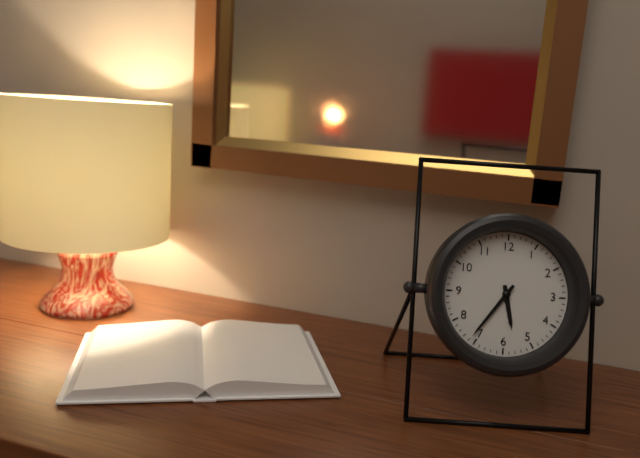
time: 5:36
